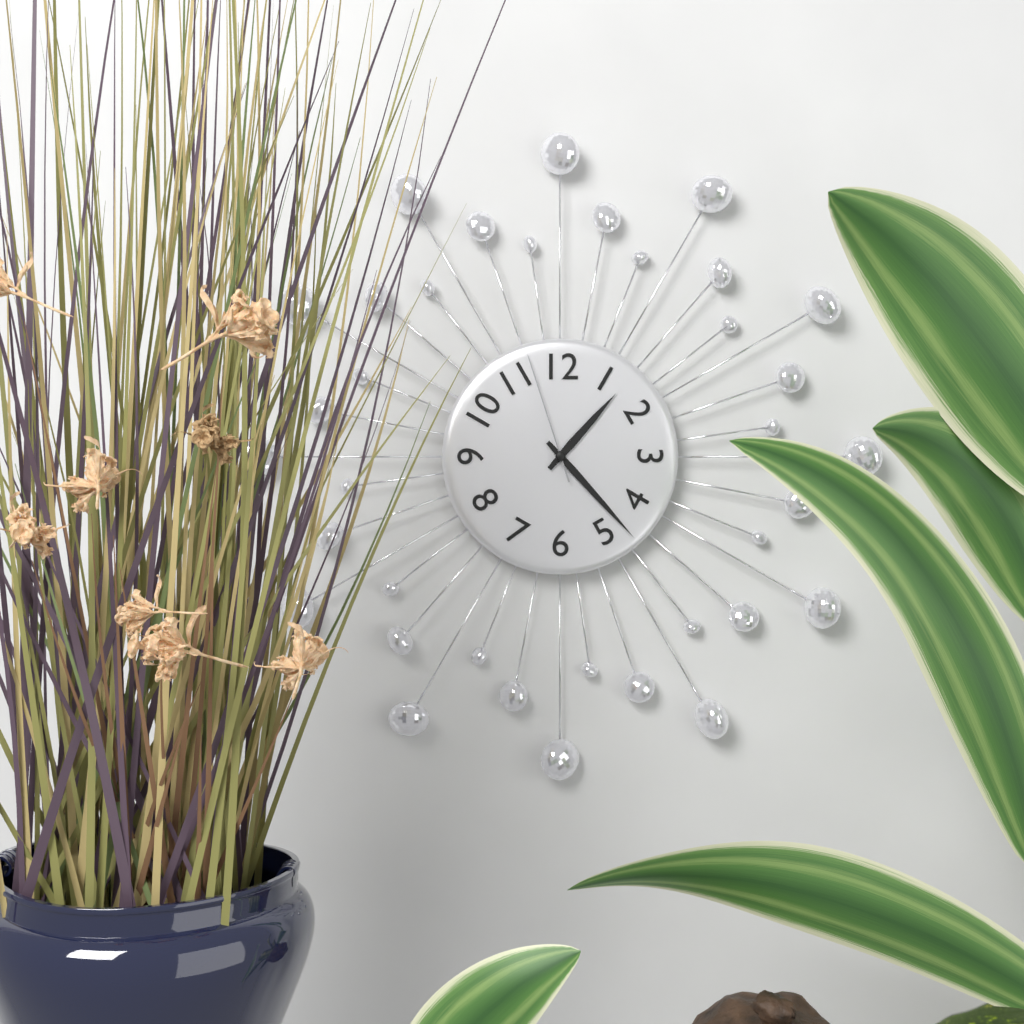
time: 1:23:57
